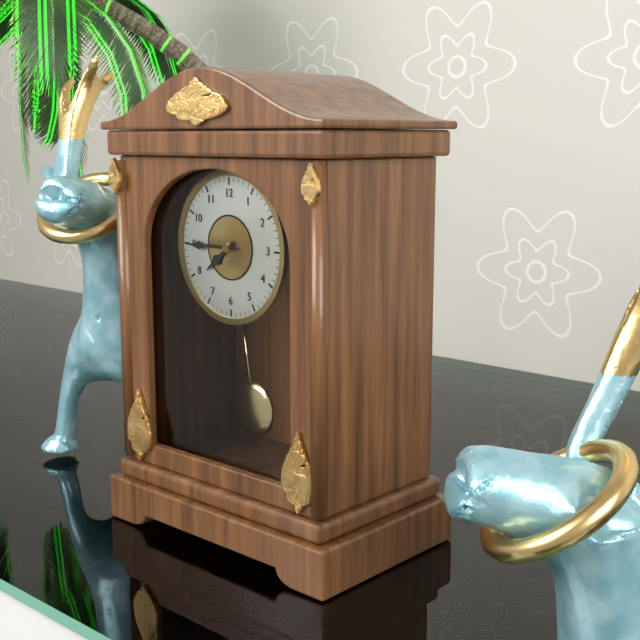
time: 7:45
